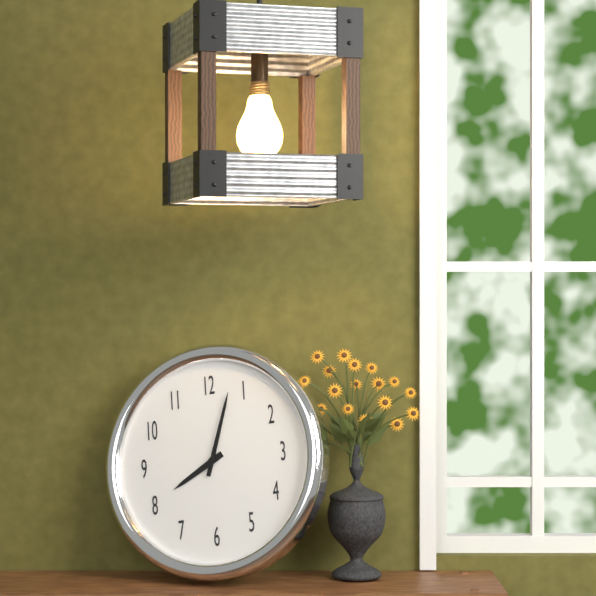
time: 8:03
